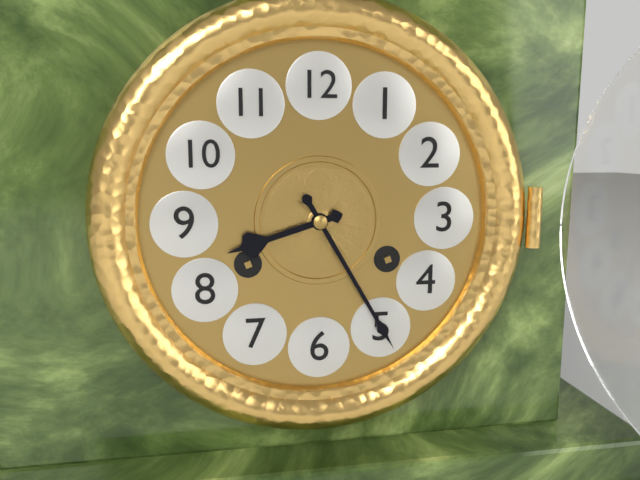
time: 8:25
